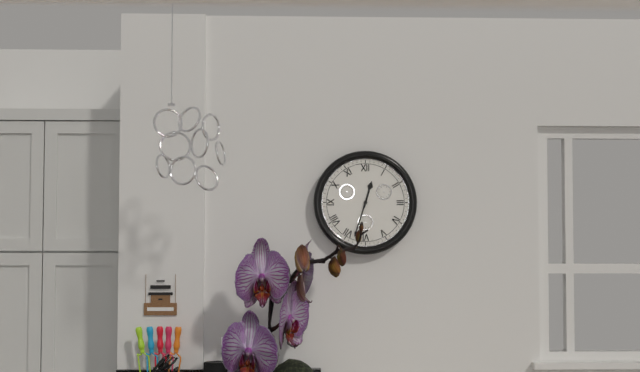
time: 12:33
